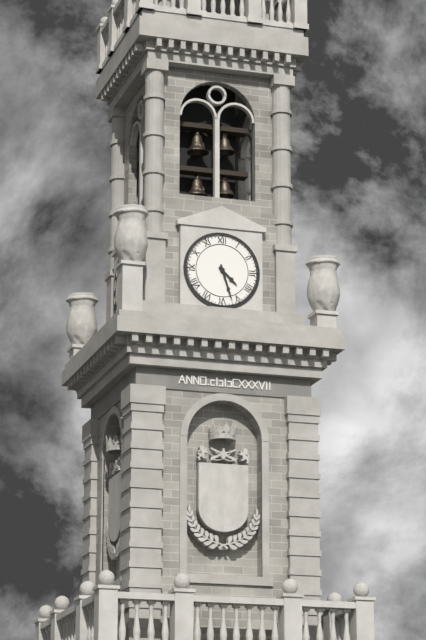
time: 4:27
